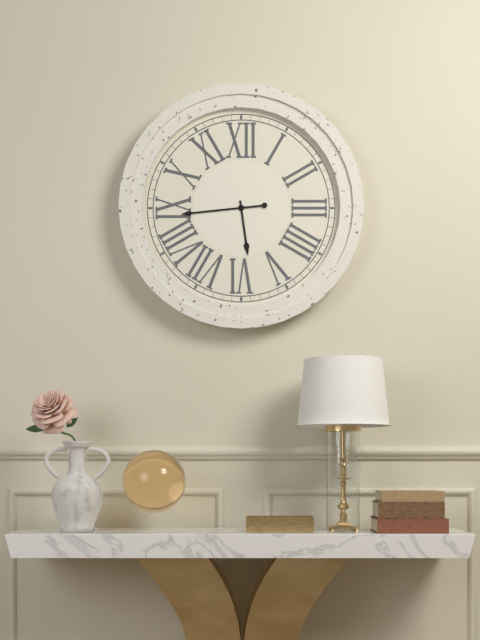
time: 5:44
